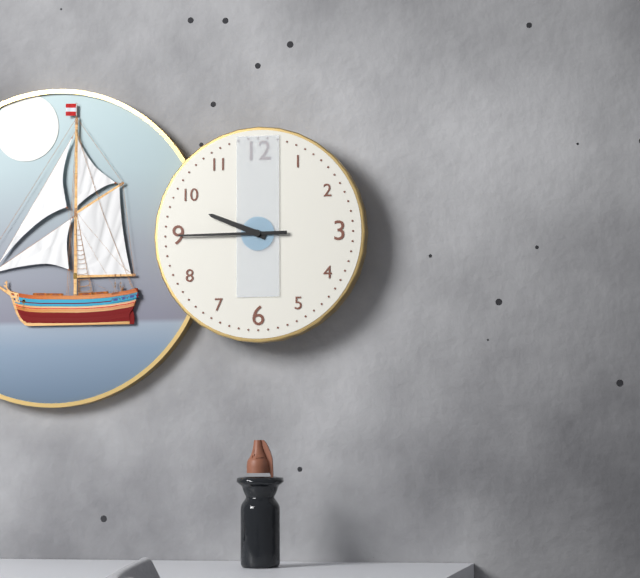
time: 9:45
